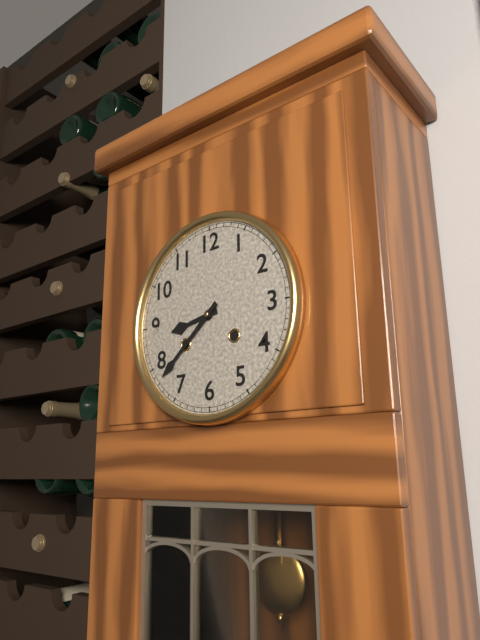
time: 8:38
